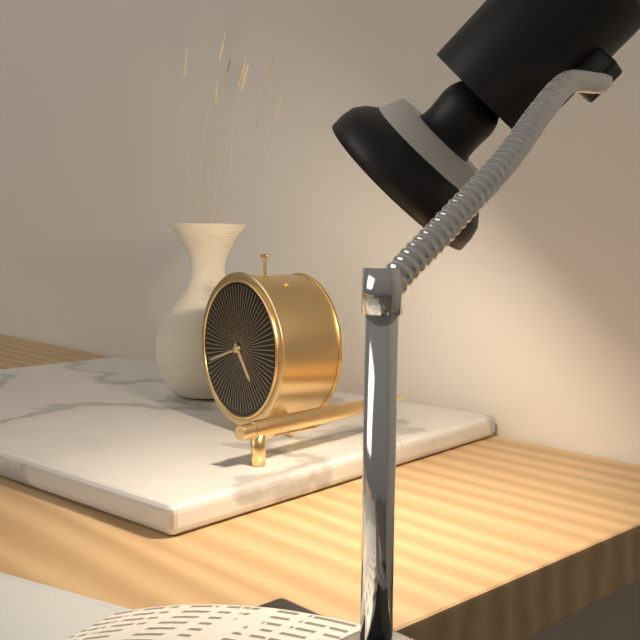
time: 4:42
